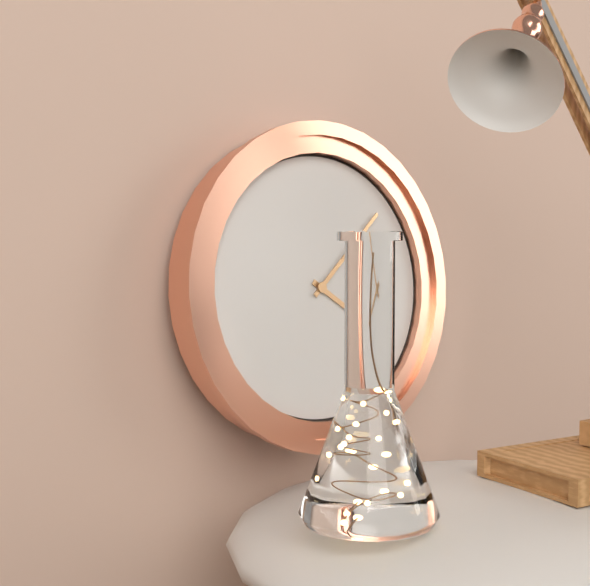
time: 4:08
